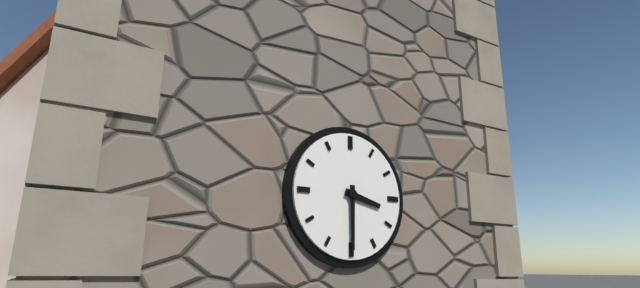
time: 3:30
